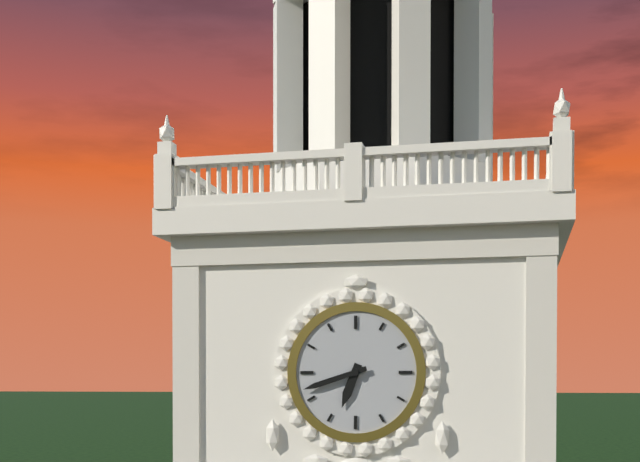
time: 6:42
